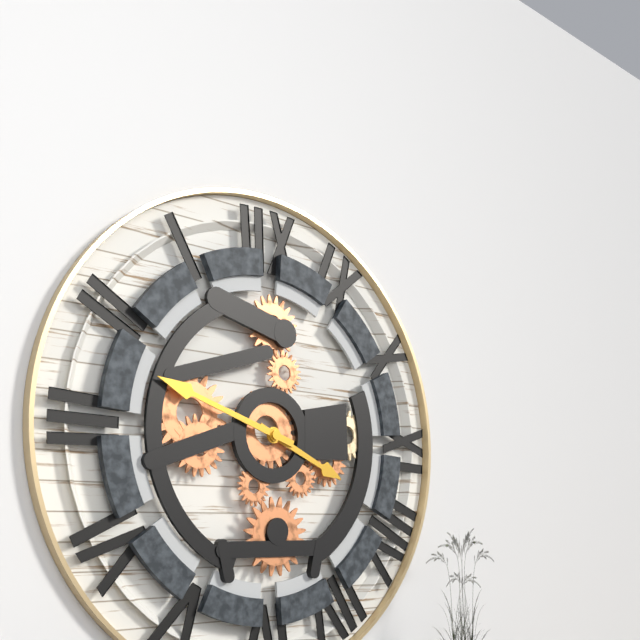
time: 3:48
